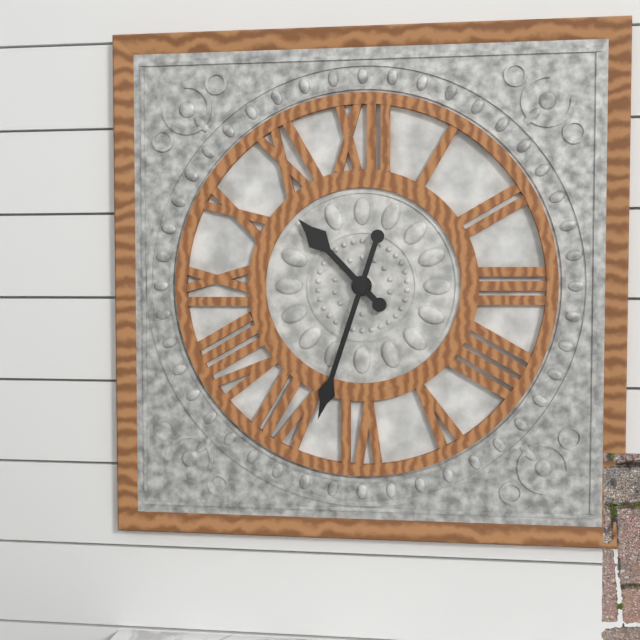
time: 10:33
